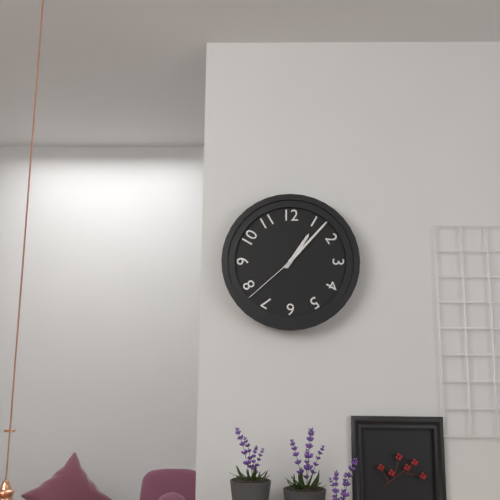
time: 1:07:38
